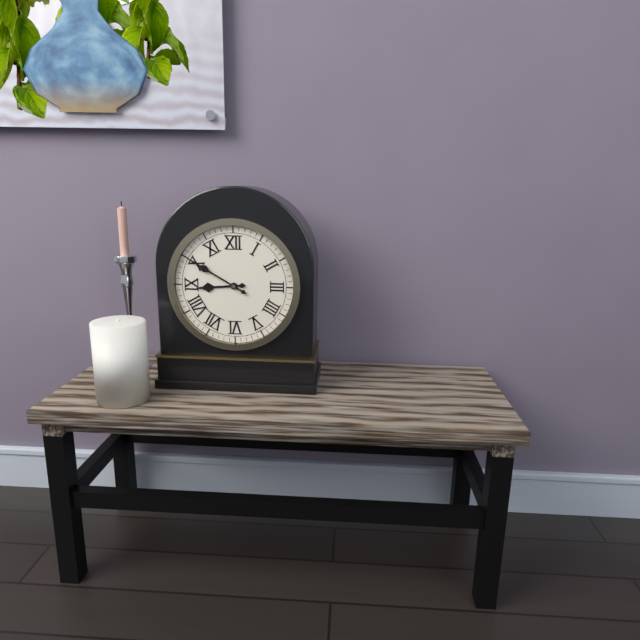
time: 8:50
